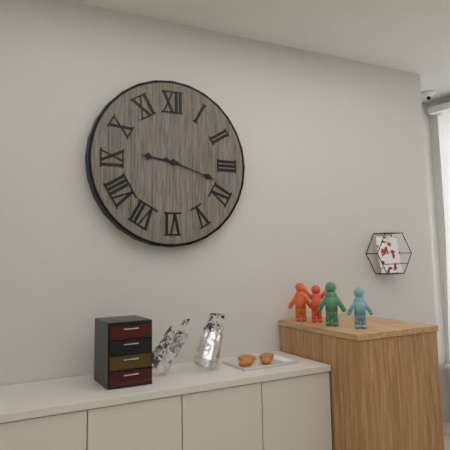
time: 9:18
